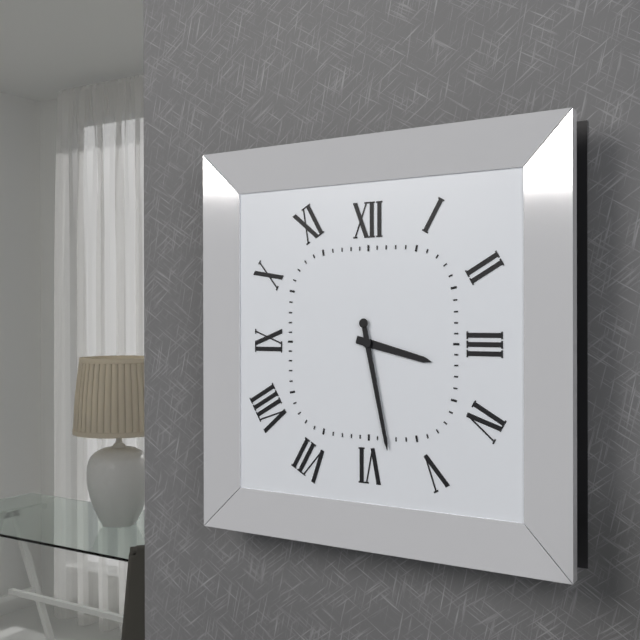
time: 3:28
